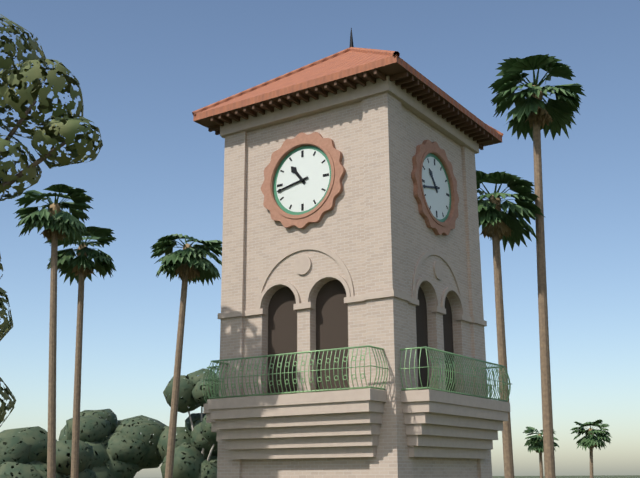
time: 10:43
